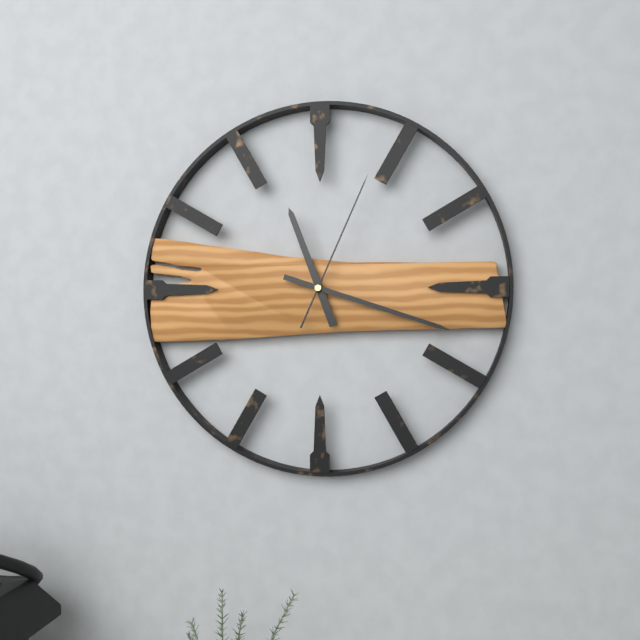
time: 11:18:04
